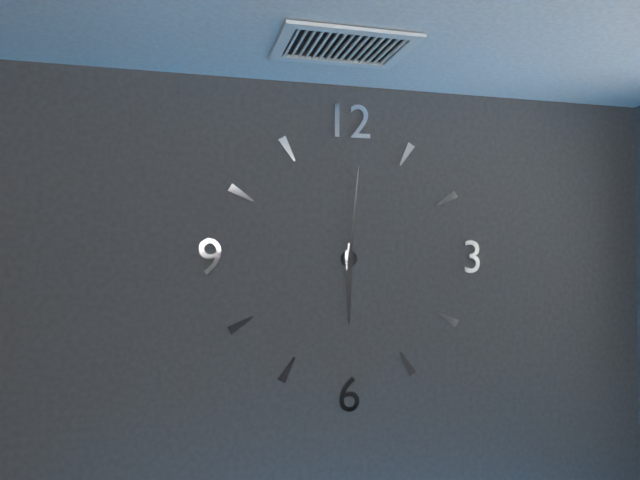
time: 6:01
